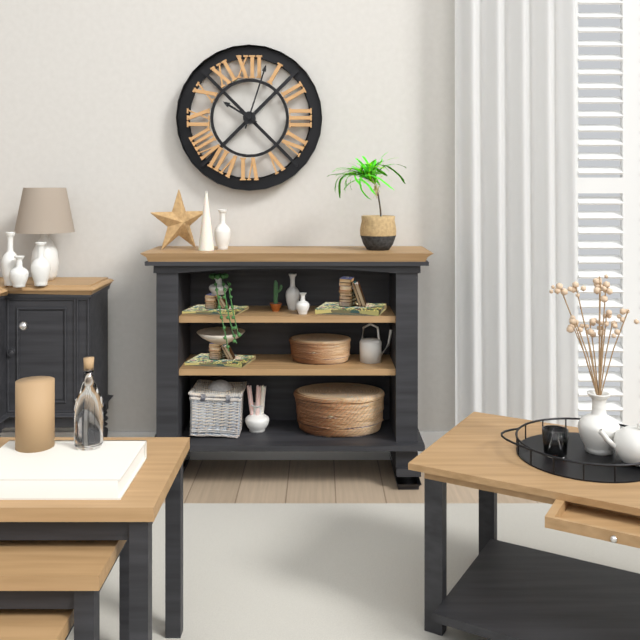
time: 10:03
